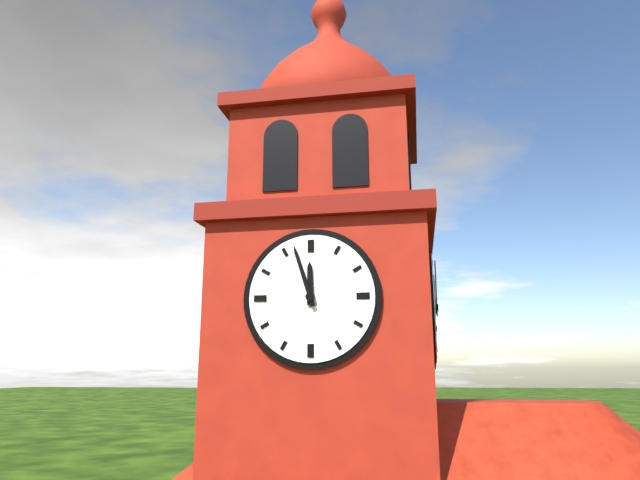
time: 11:57
